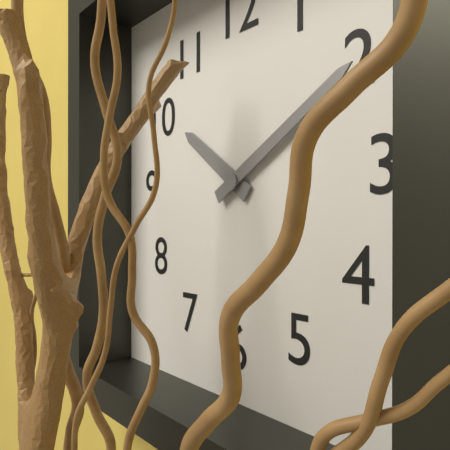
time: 10:10
